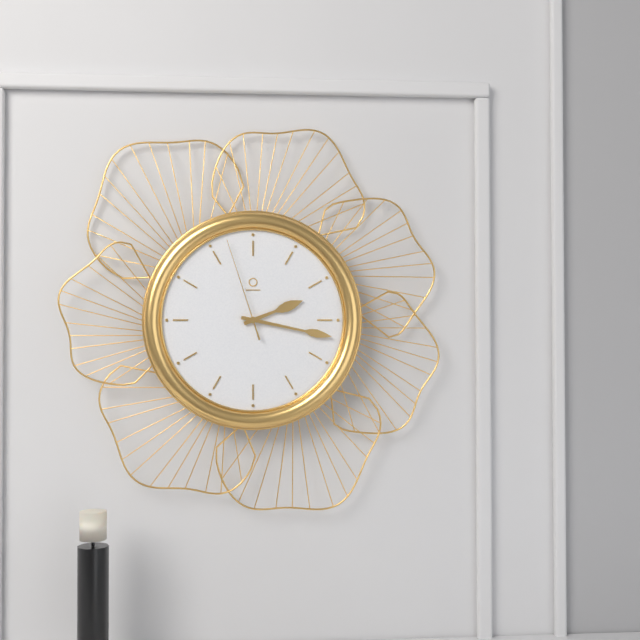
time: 2:17:57
